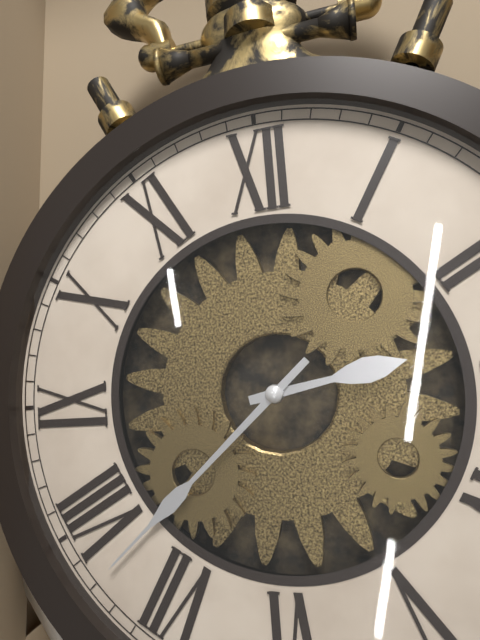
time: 2:38
